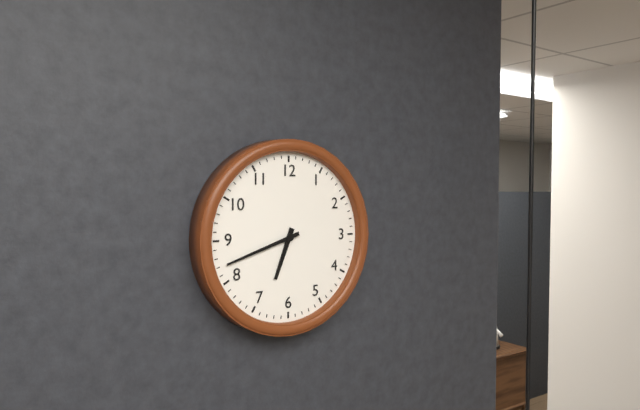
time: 6:42
